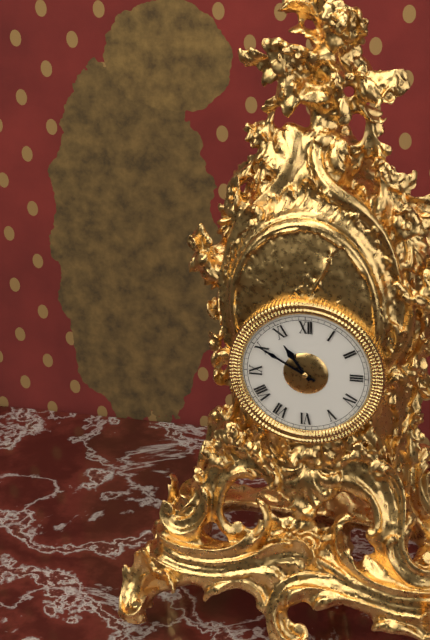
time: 10:50
